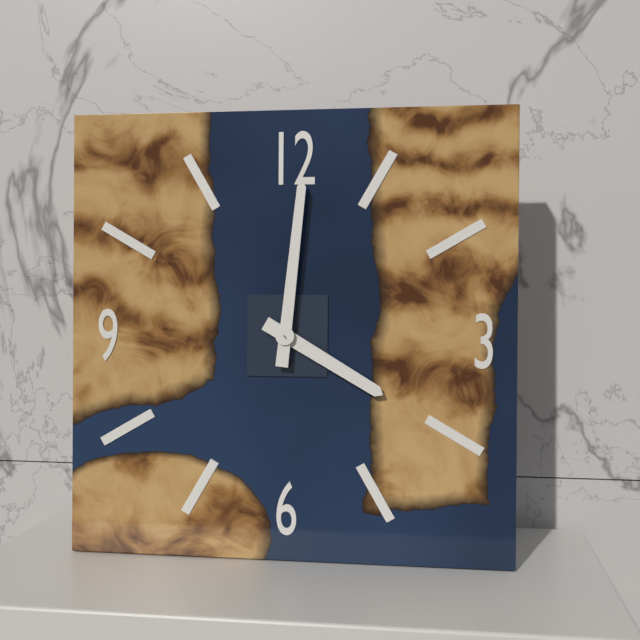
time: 4:01
